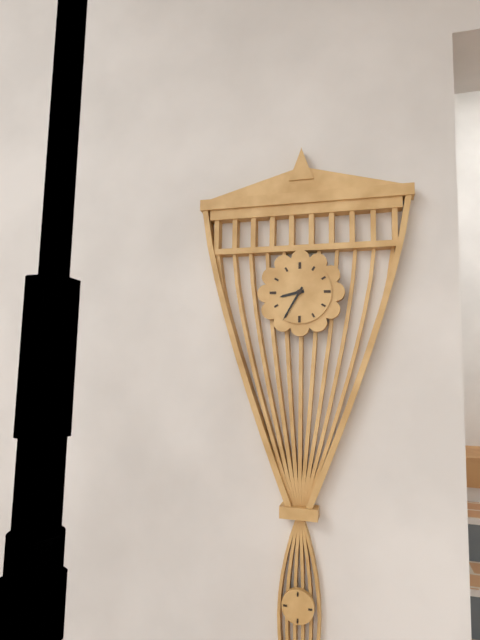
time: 8:35
